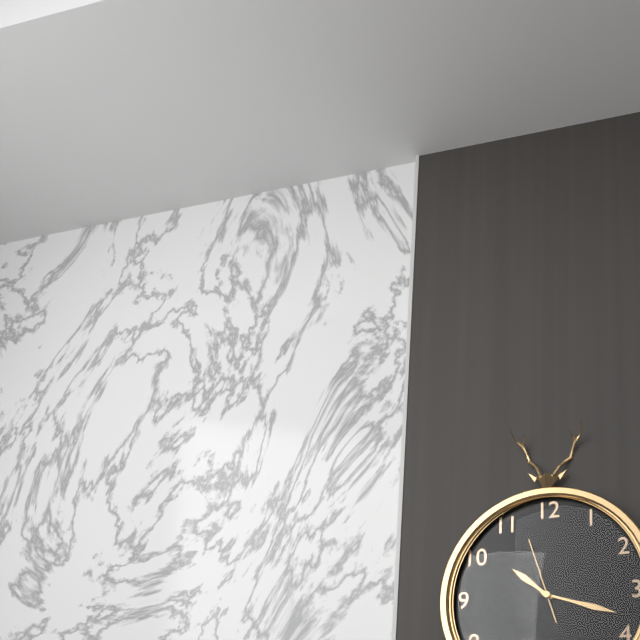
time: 10:18:57
